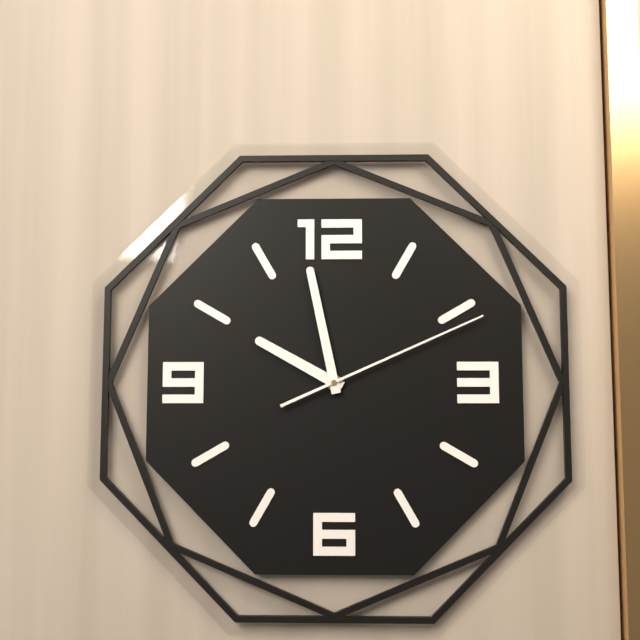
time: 9:58:11
